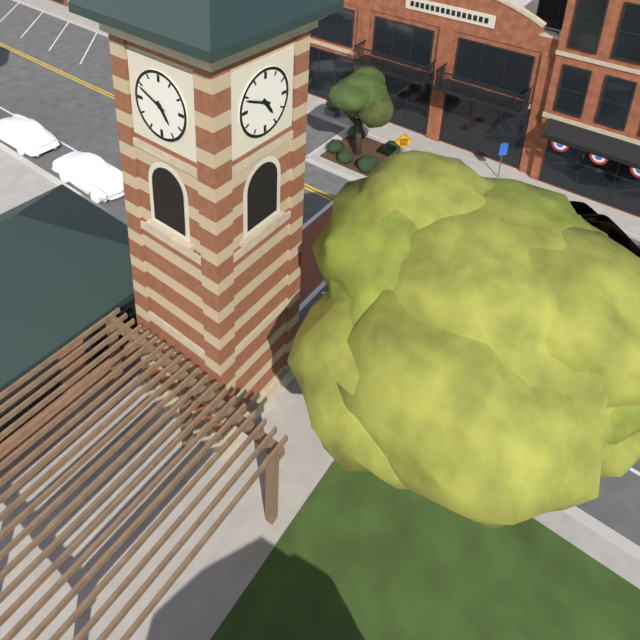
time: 4:49
